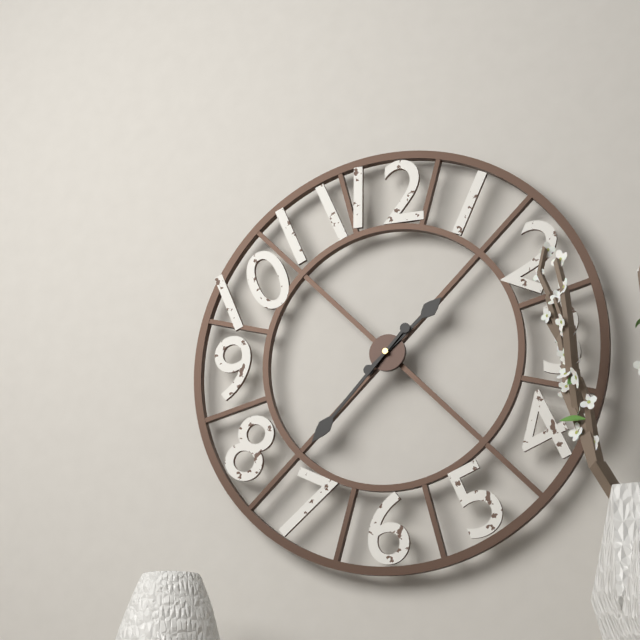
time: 1:37
